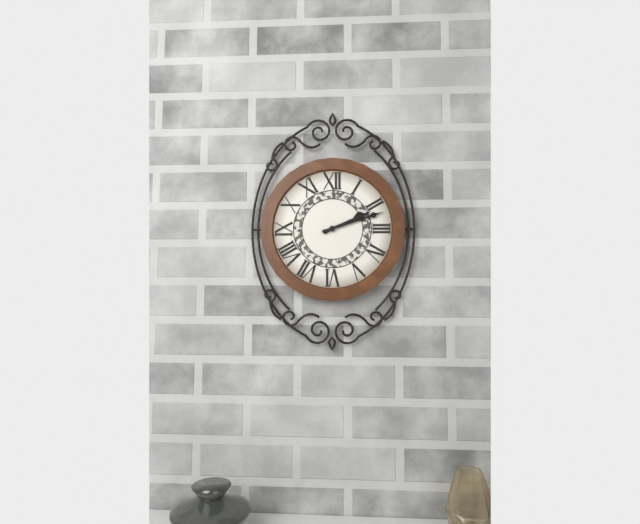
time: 2:12
